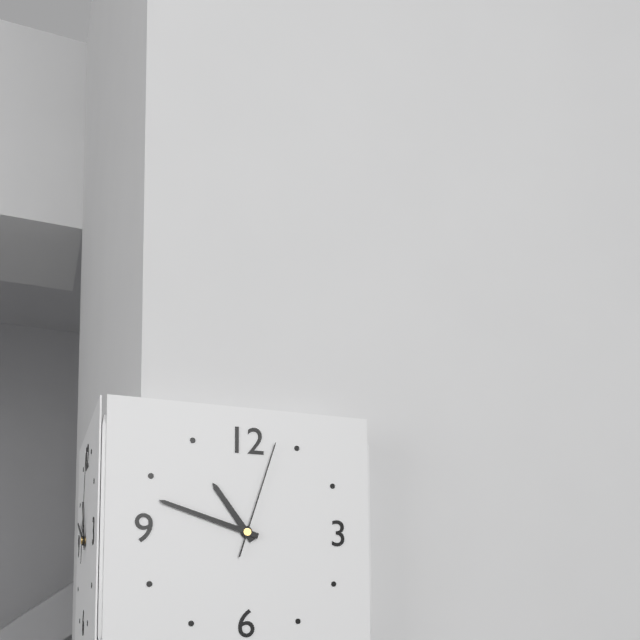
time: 10:48:03
